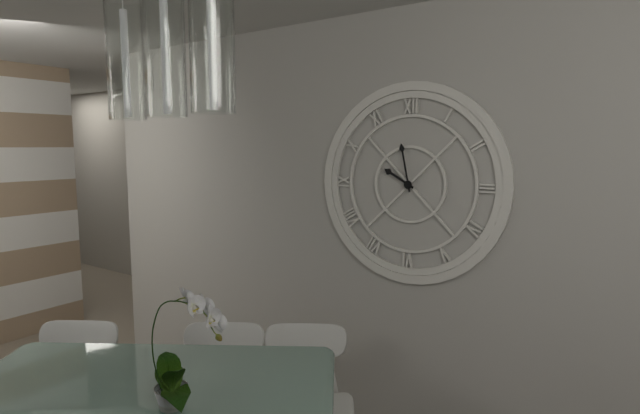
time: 9:58
